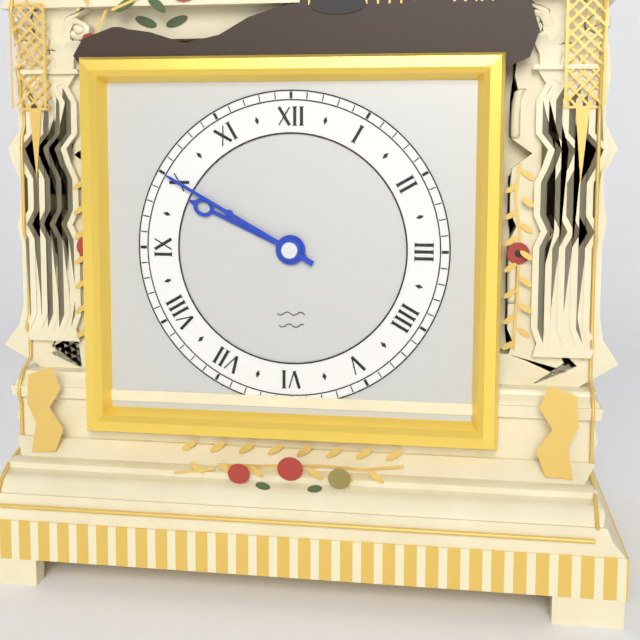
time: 9:50
